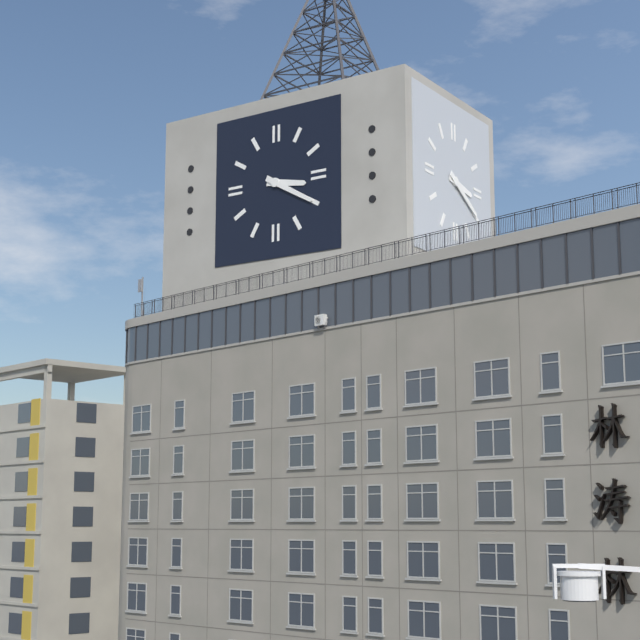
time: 3:20
